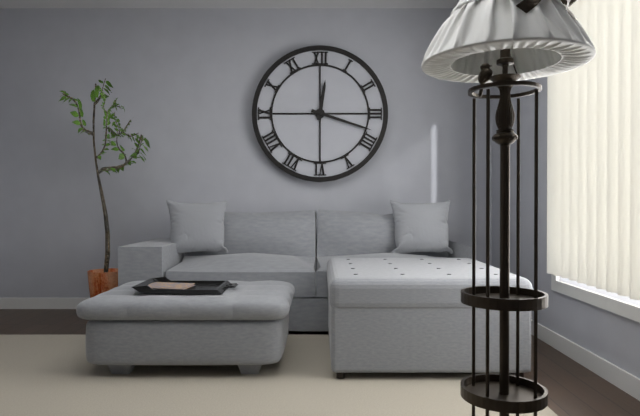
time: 12:18
